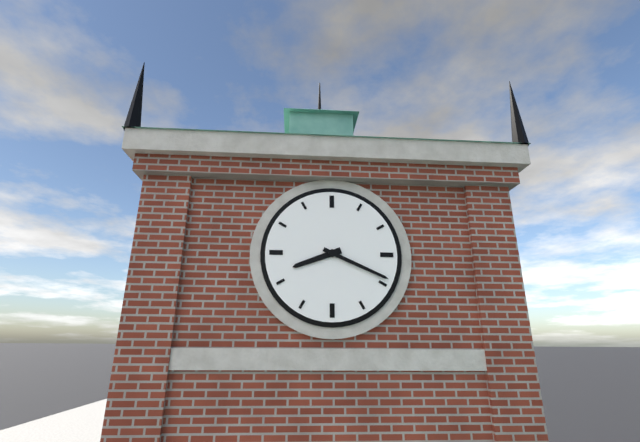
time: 8:19
